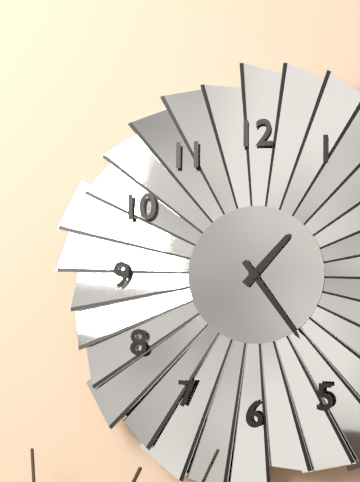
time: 1:24
